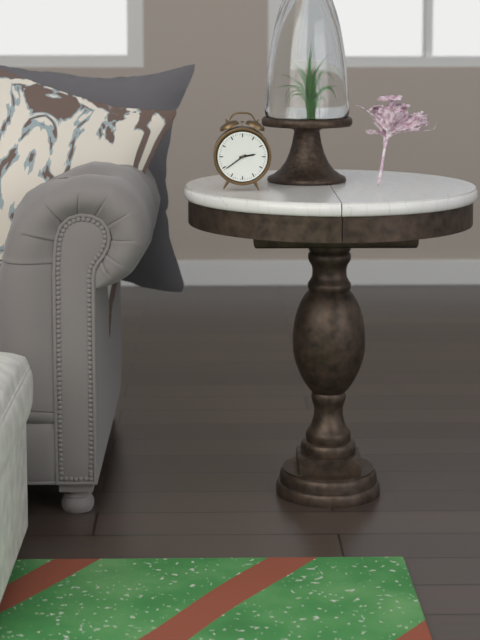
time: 2:39
